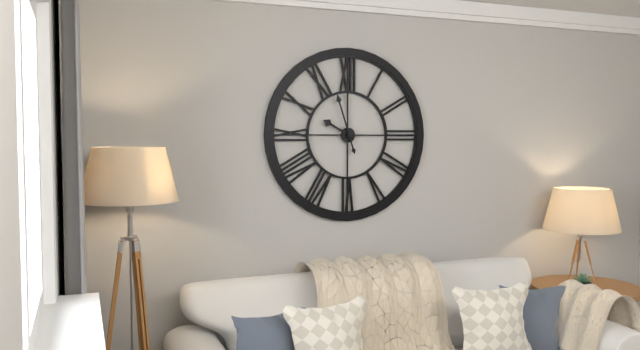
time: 9:57
